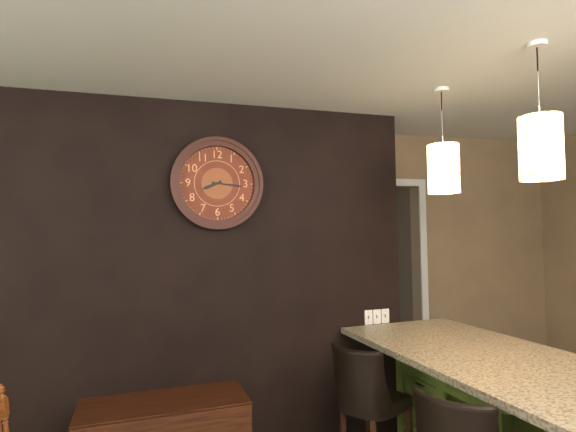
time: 8:16
